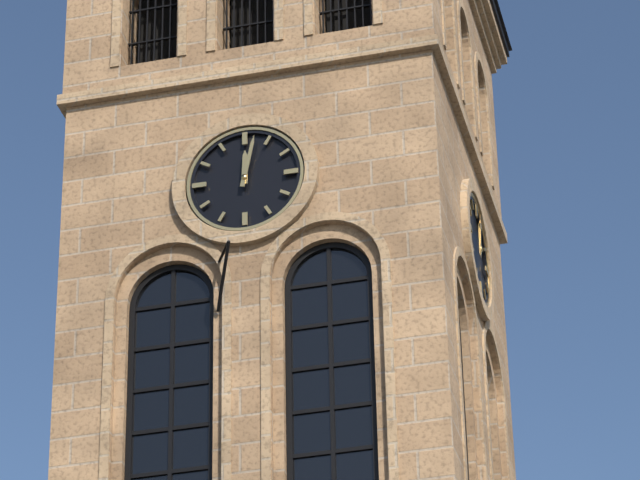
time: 12:02
